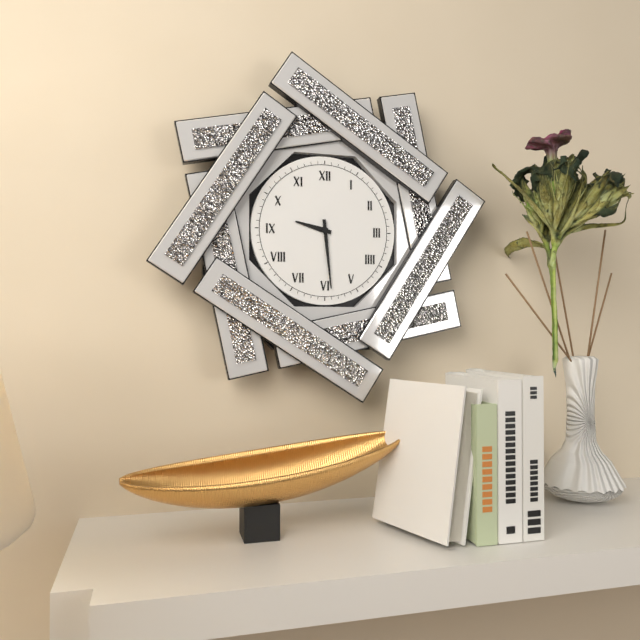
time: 9:29
